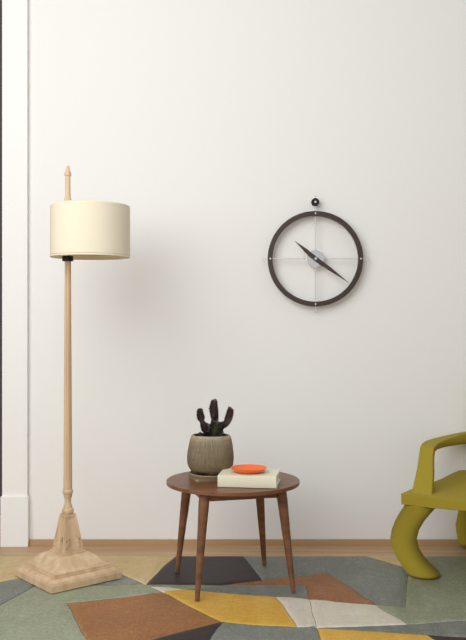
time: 10:21
